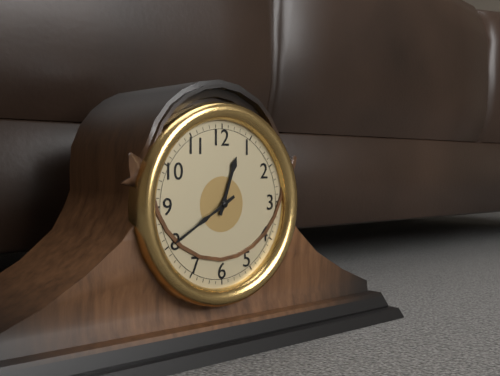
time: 12:40
